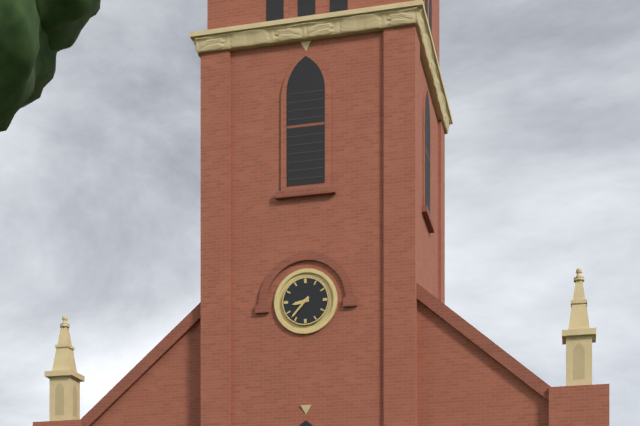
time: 8:37
